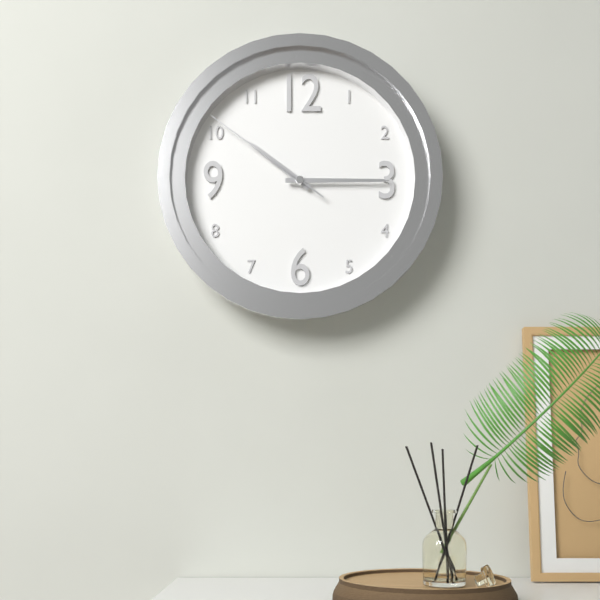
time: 10:15:51
